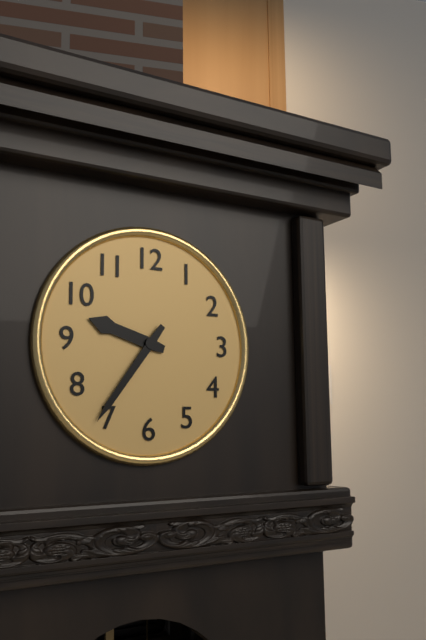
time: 9:36
